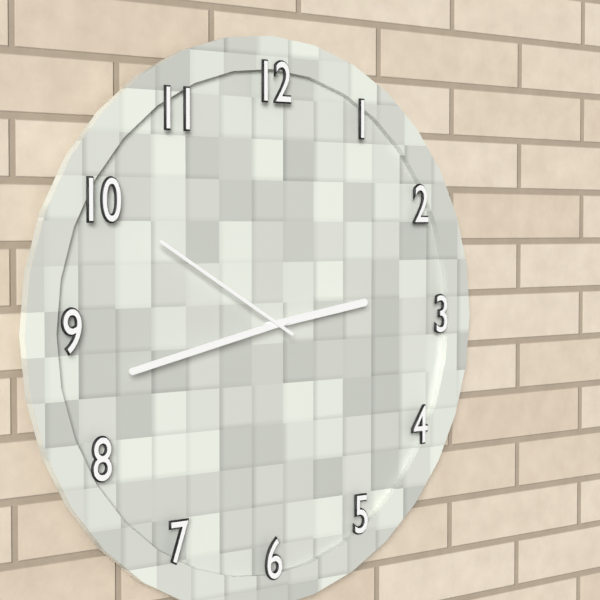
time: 2:43:50
